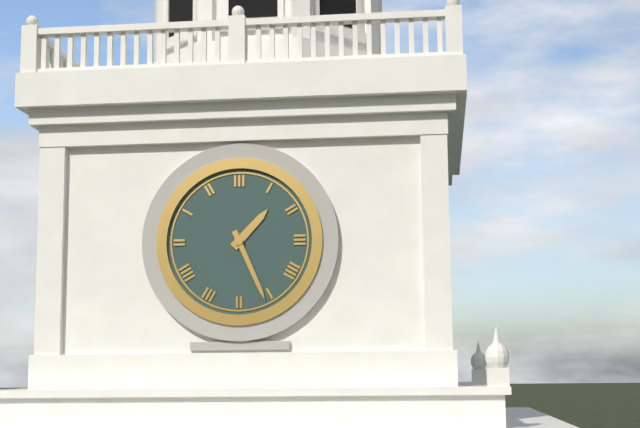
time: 1:26
